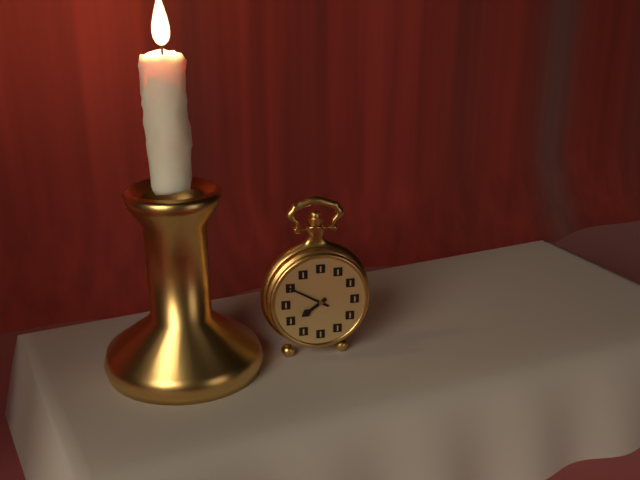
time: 7:50
